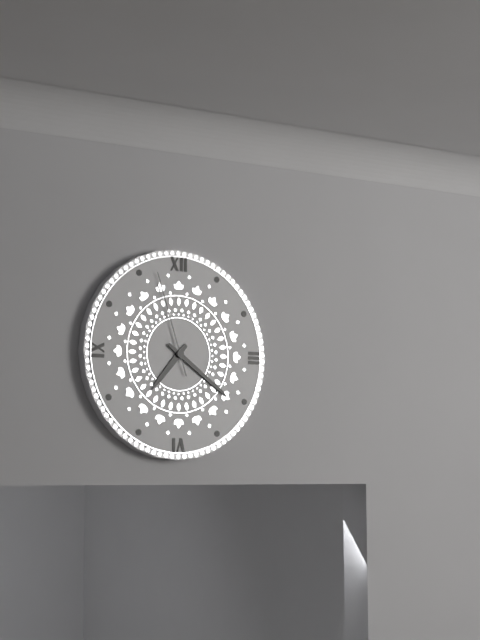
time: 7:21:57
